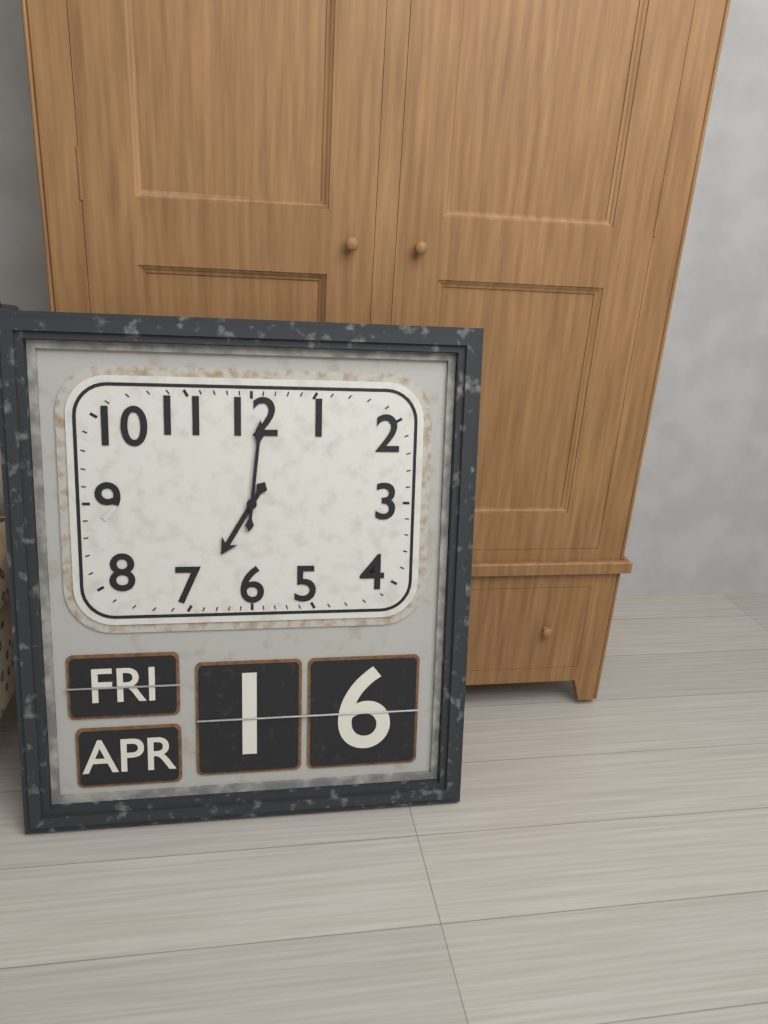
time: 7:01
